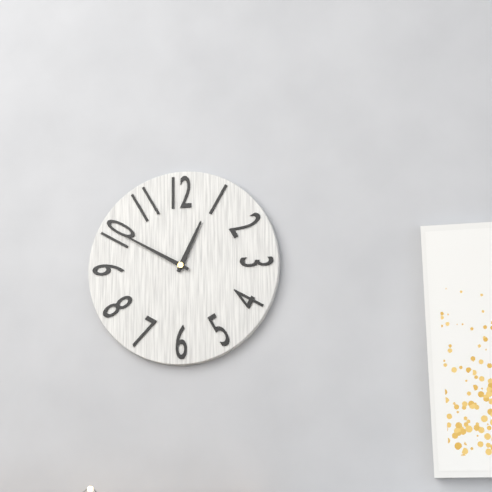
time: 12:50
